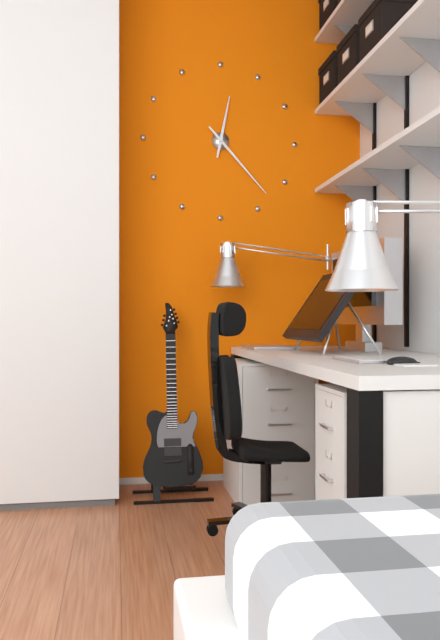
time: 12:23
